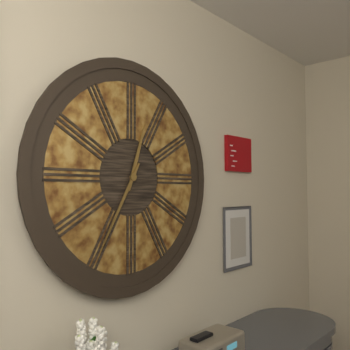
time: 12:35
